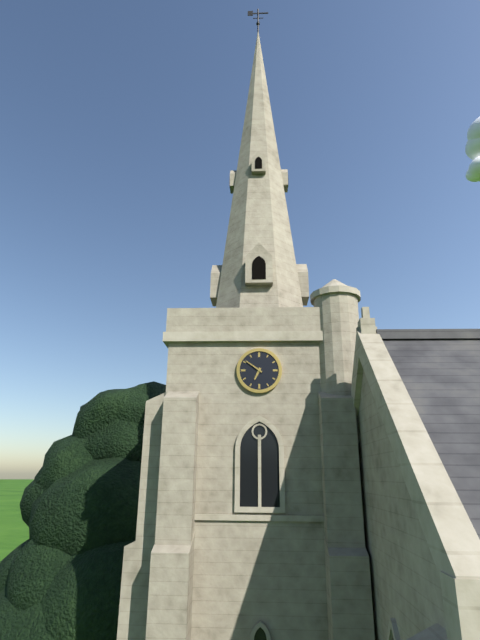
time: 6:51
